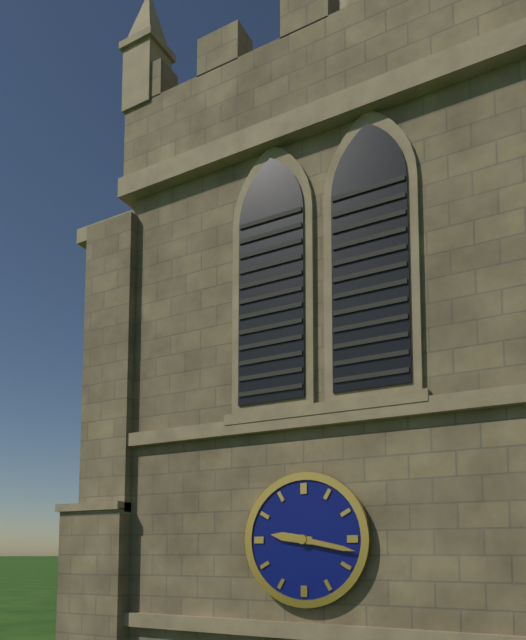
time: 9:17
